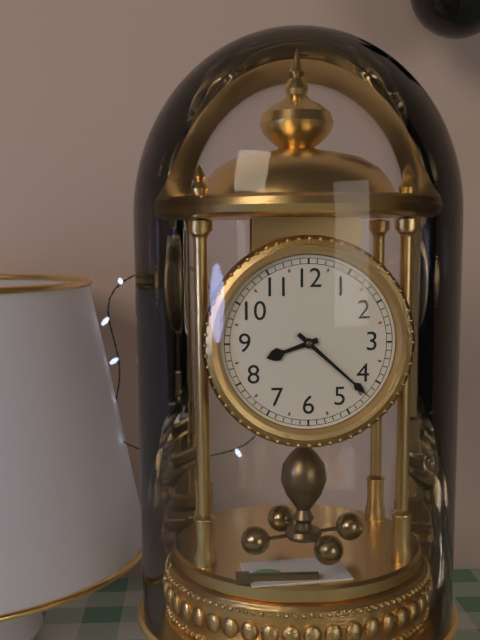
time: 8:22
